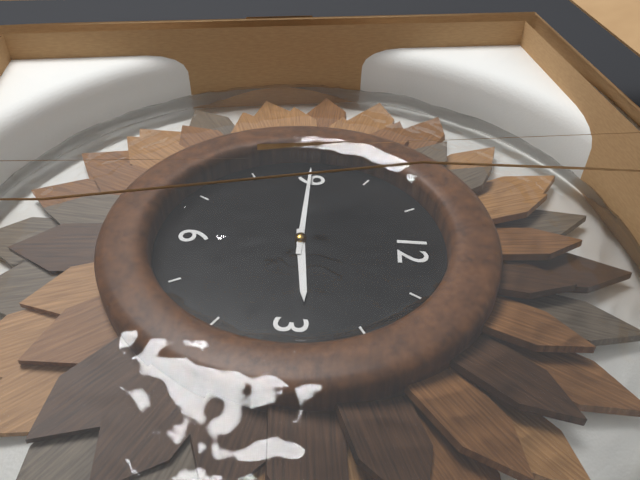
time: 2:45
